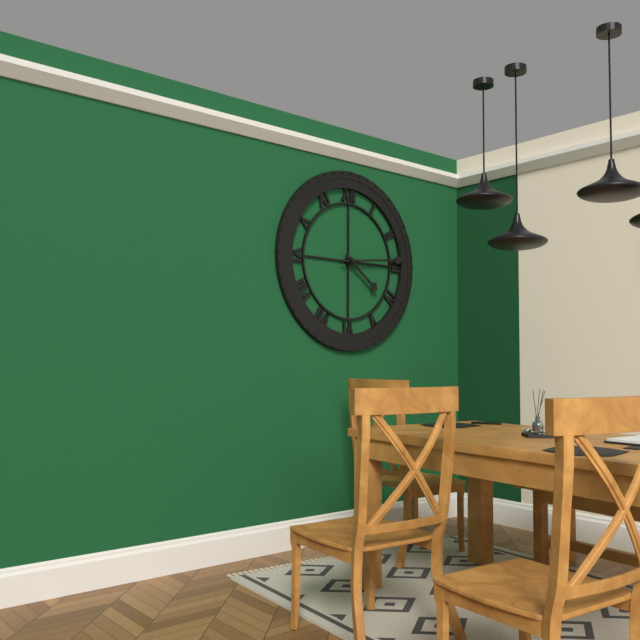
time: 4:14
